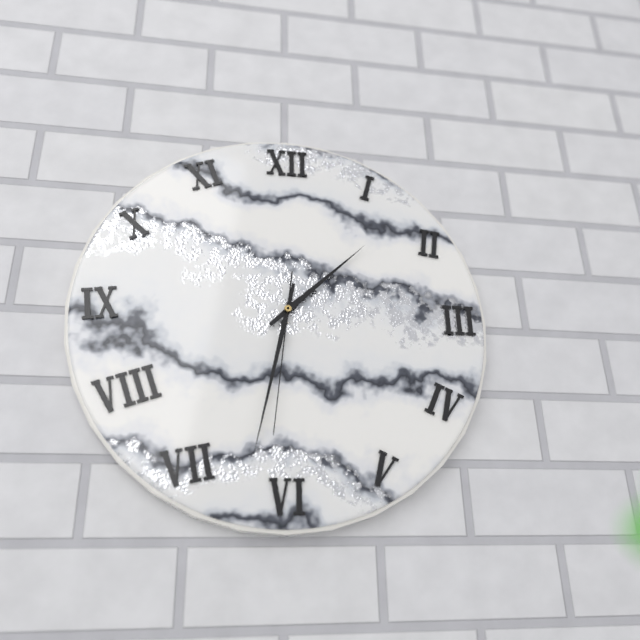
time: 1:32:31
